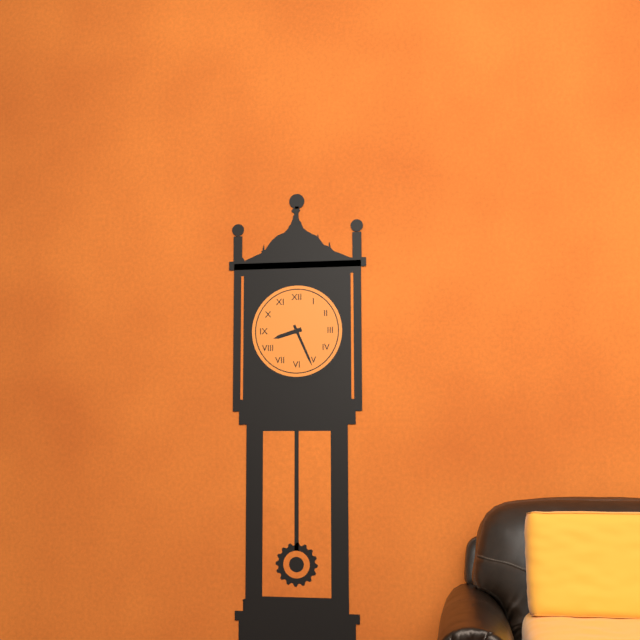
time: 8:26
